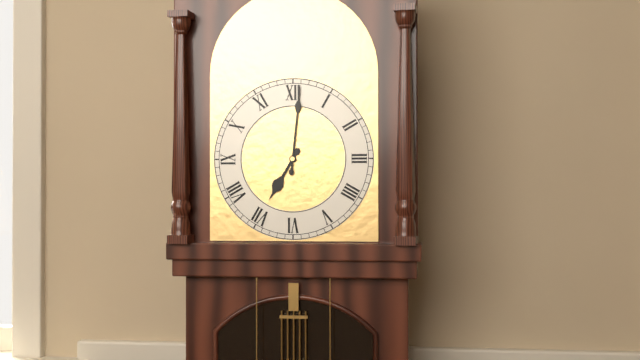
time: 7:01
